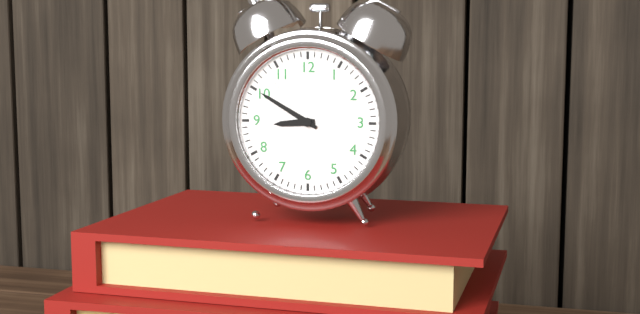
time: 8:50
